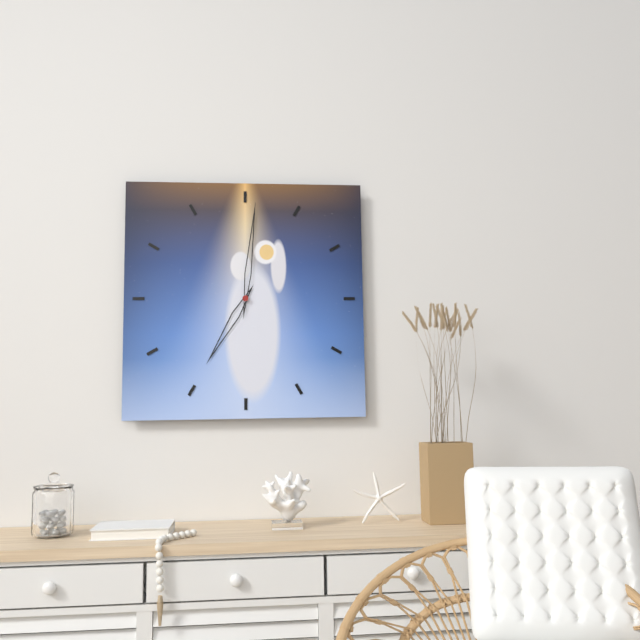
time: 7:01
